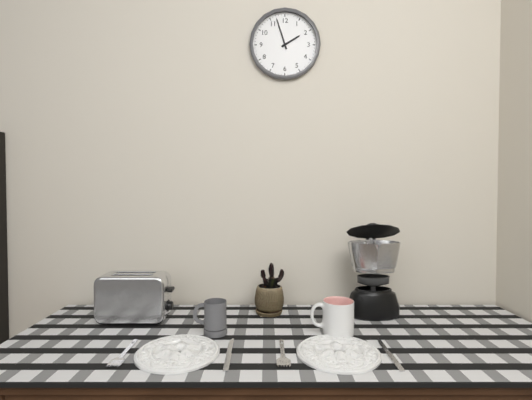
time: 1:57
